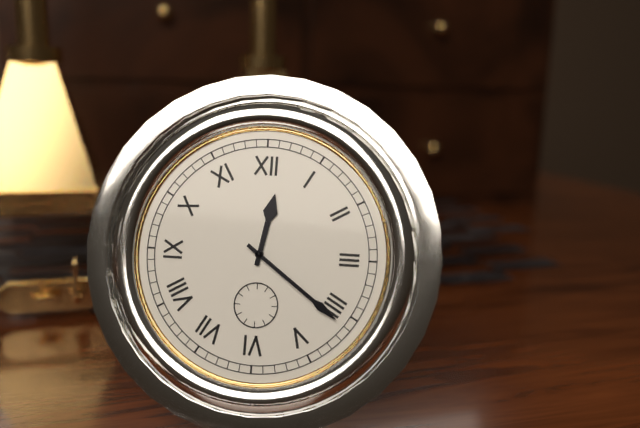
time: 12:21
